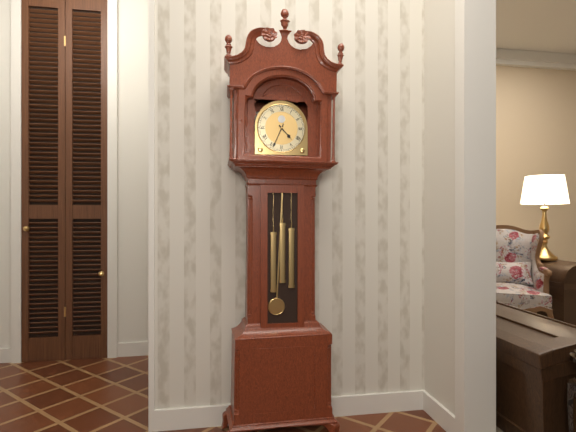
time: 4:34
